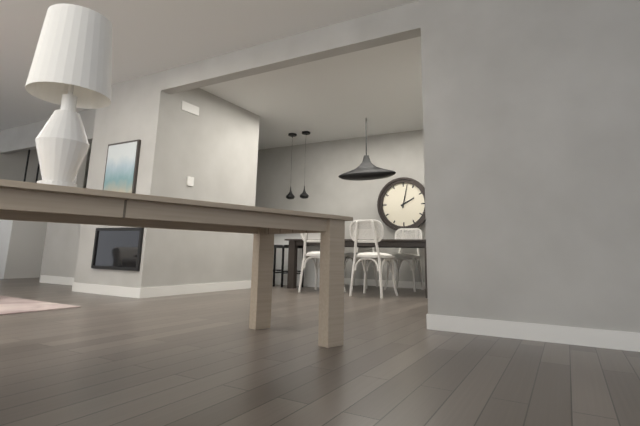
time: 2:02
